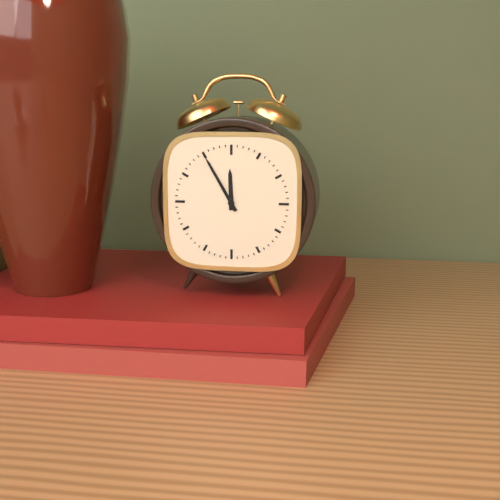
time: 11:55
